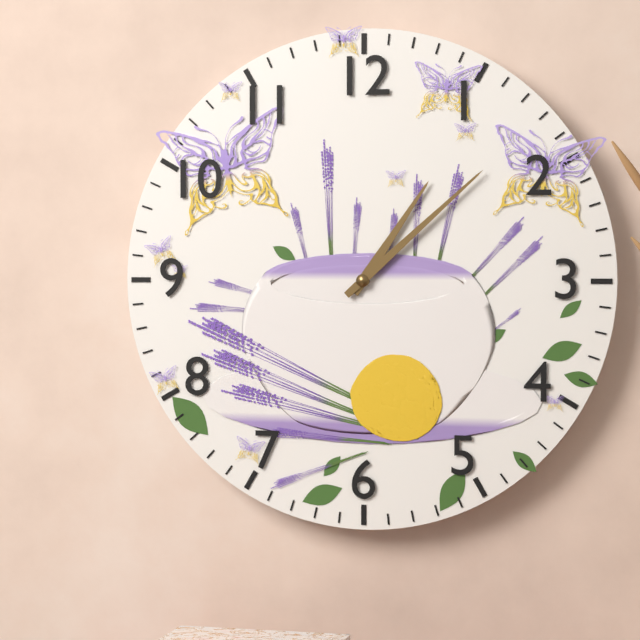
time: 1:08
